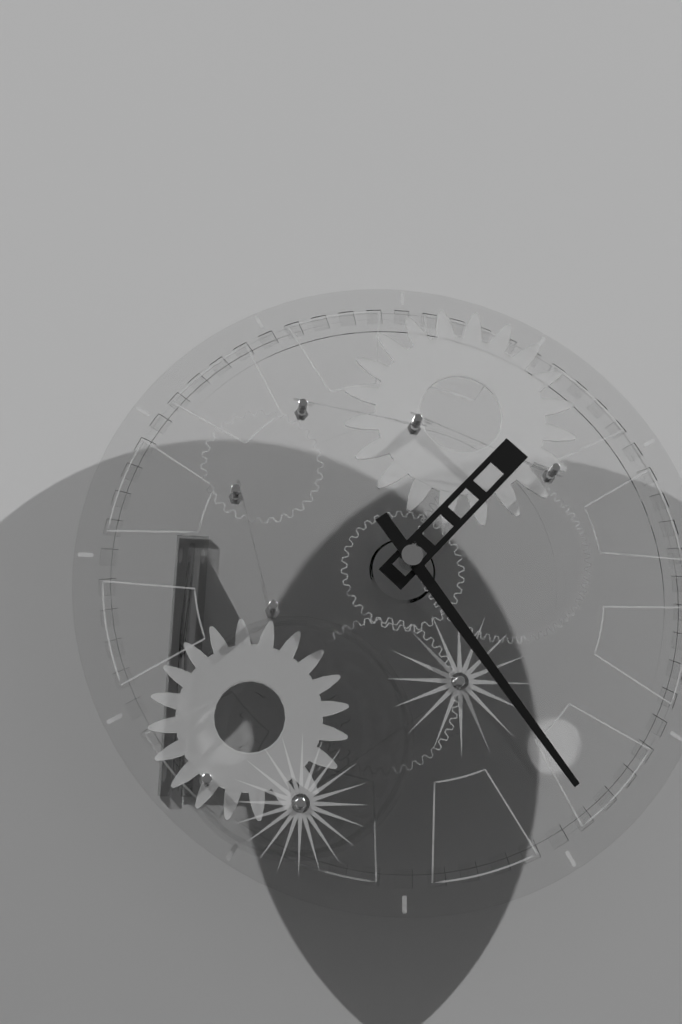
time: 1:24
